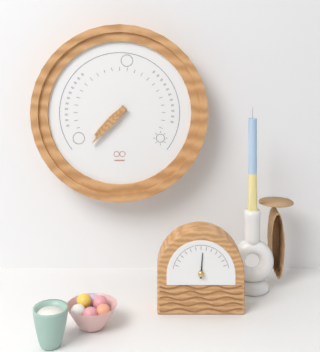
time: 7:37
